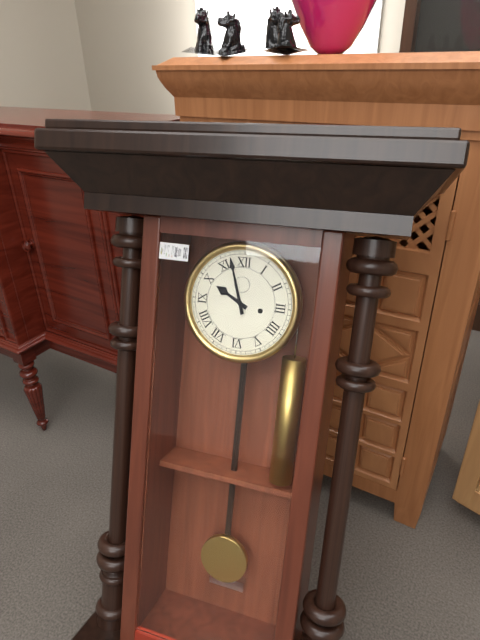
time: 9:57
